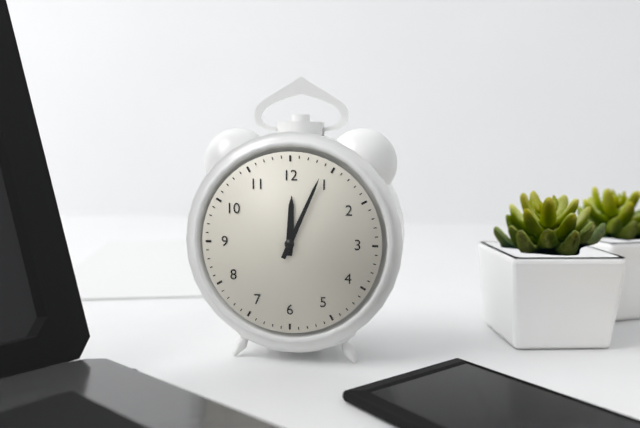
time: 12:04
